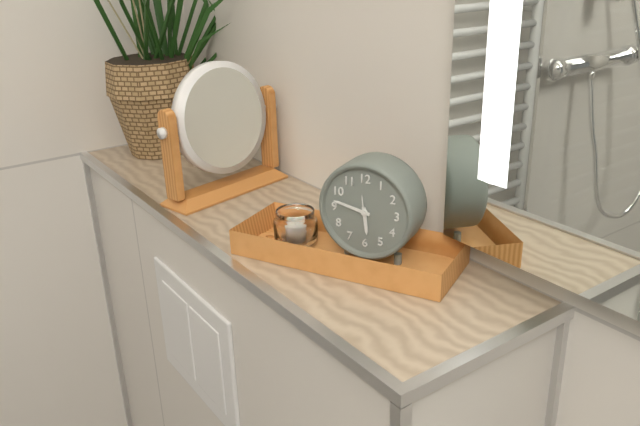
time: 5:47
